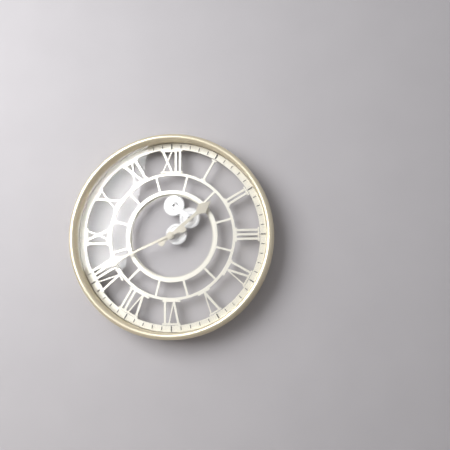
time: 1:41
